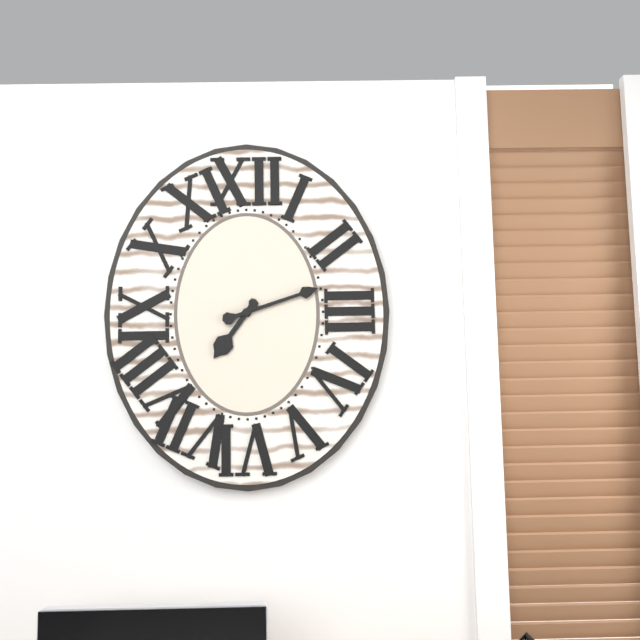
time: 7:12
